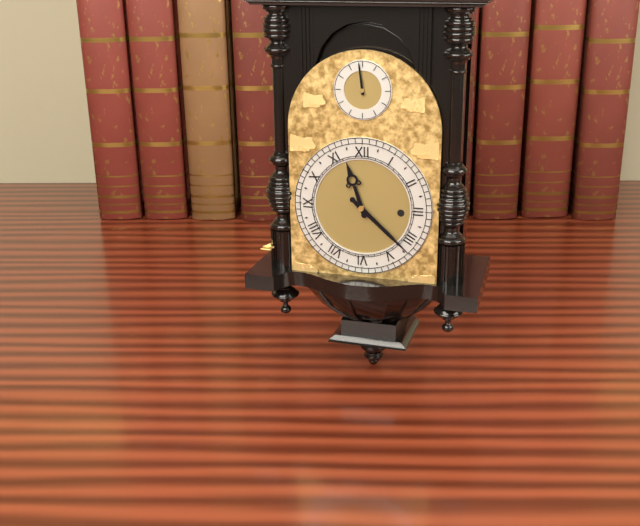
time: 11:22
